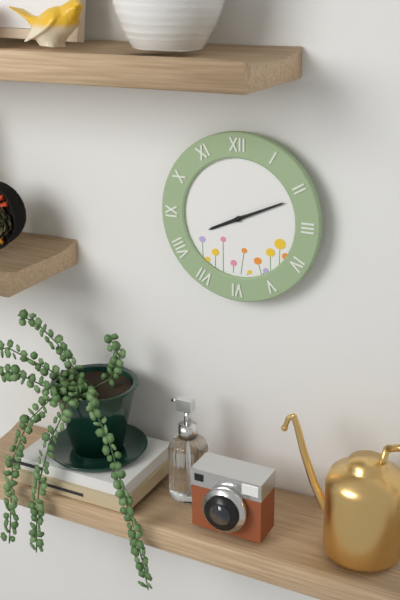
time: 8:11
